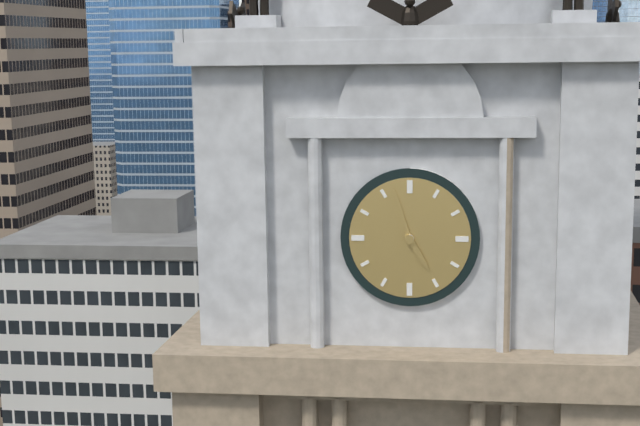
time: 4:57
